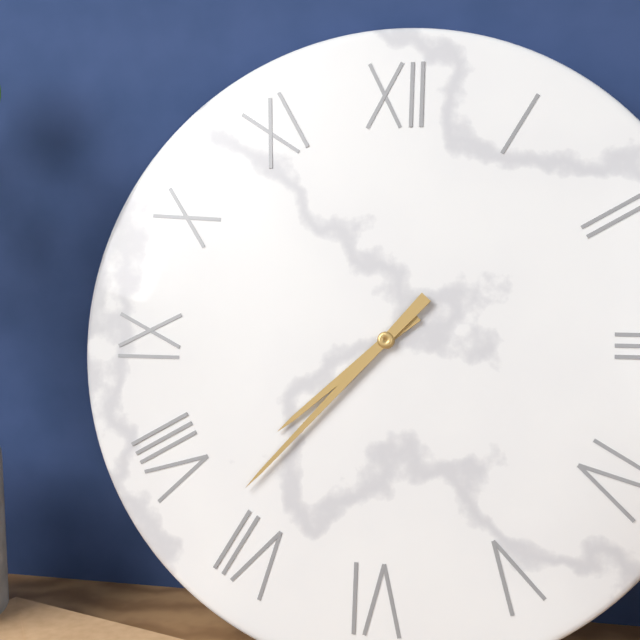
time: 7:37
